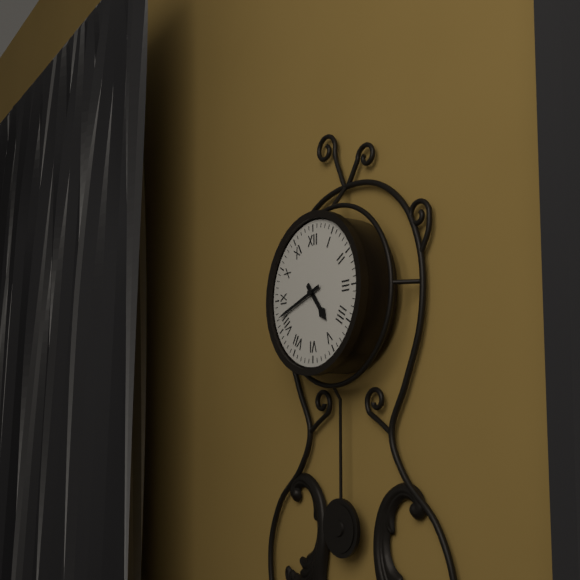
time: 4:42
